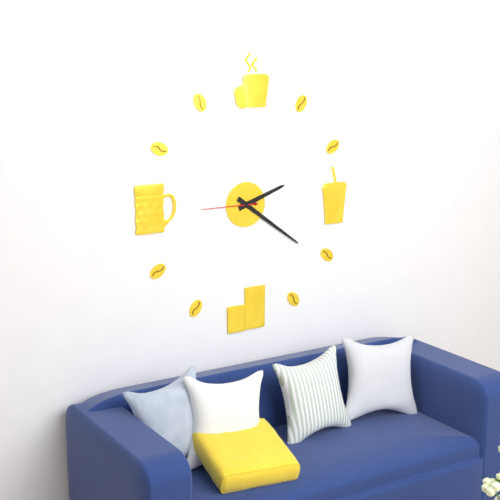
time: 2:21:45
